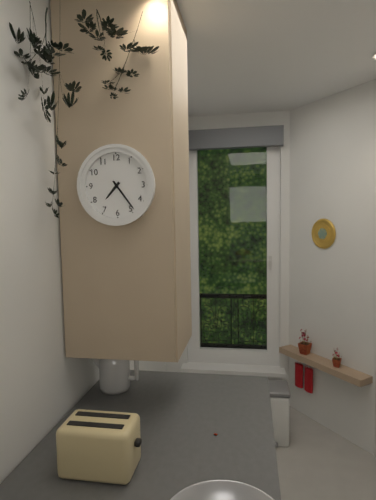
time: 7:24
